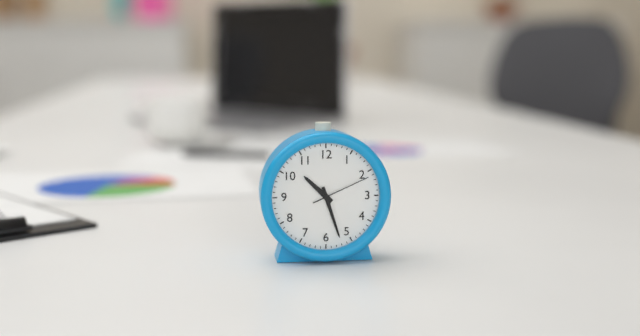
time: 10:27:11
